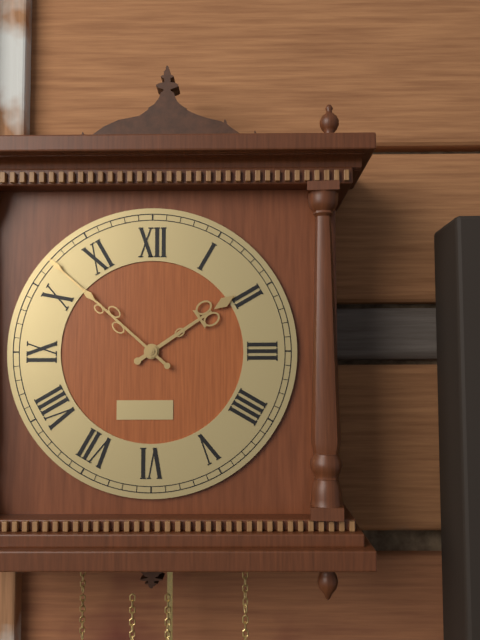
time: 1:52
